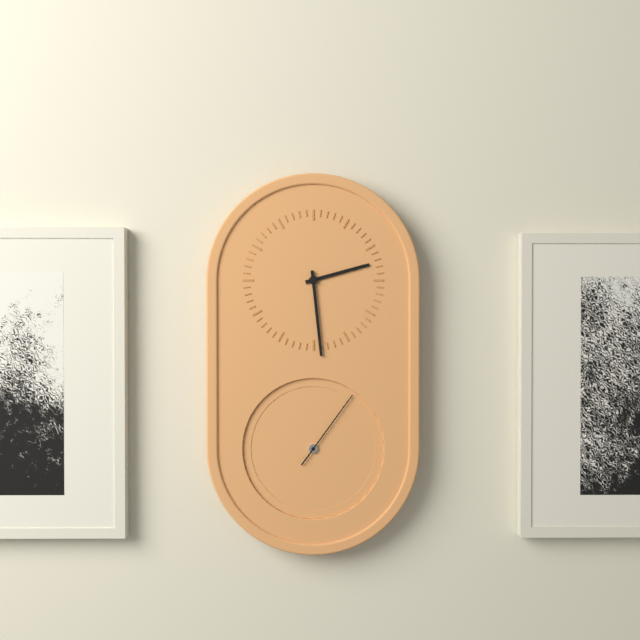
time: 2:29:06
